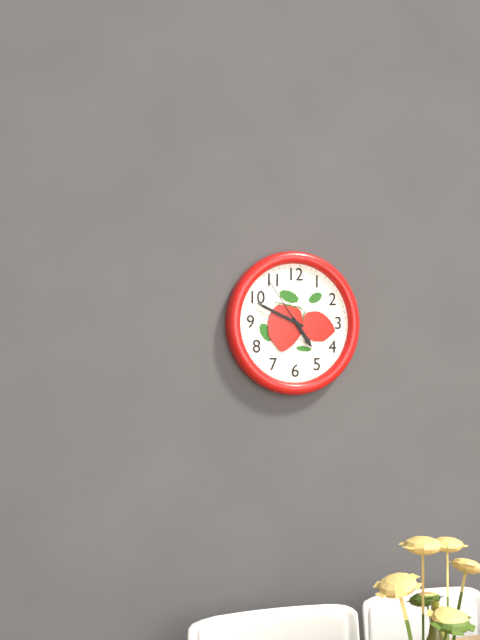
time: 4:49:54
